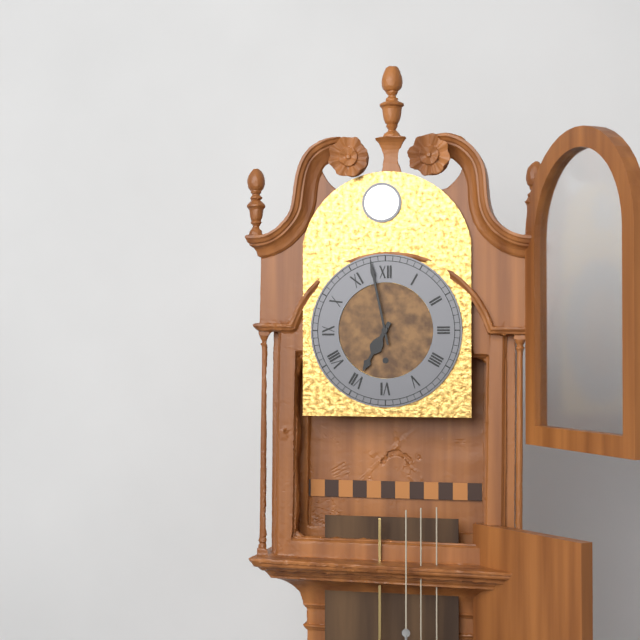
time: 6:58
